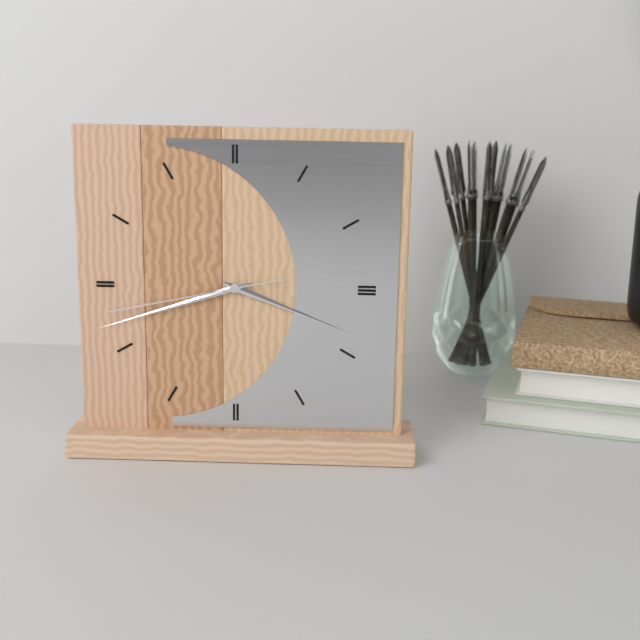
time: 3:42:43
